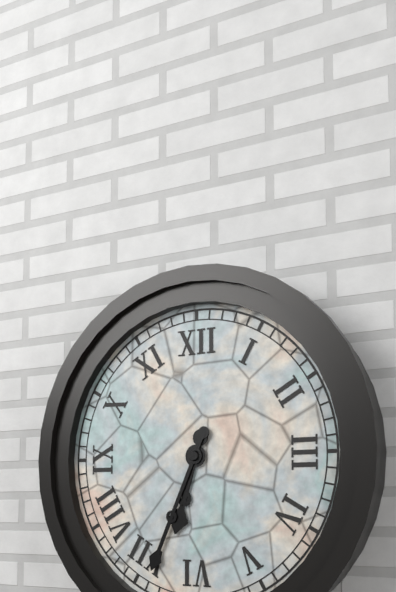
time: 6:34
